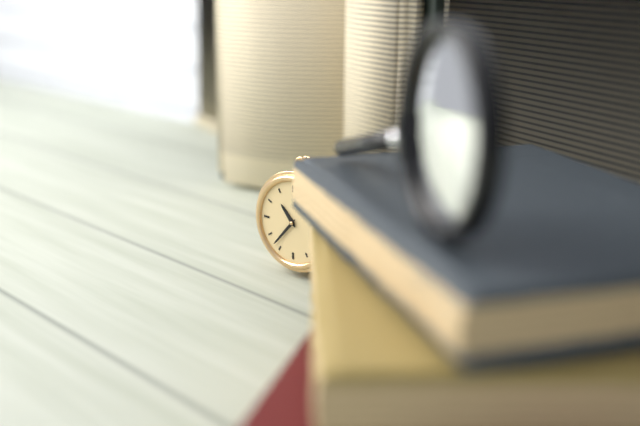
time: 10:37
